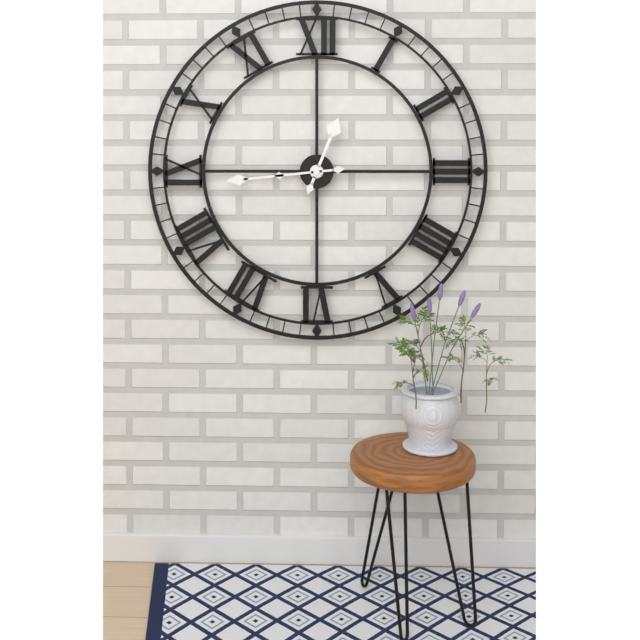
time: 12:44
